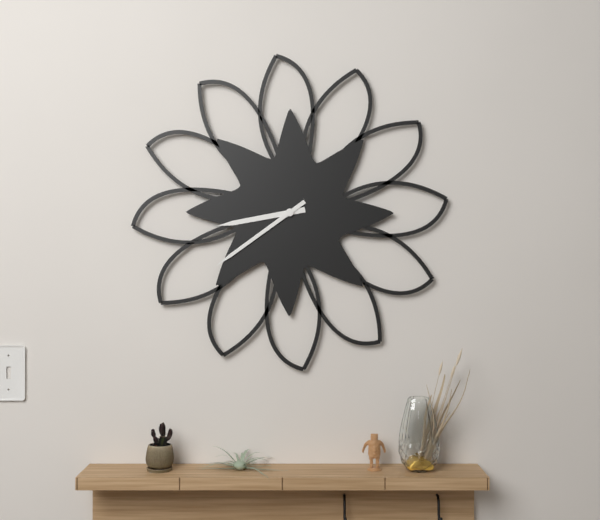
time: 8:39
